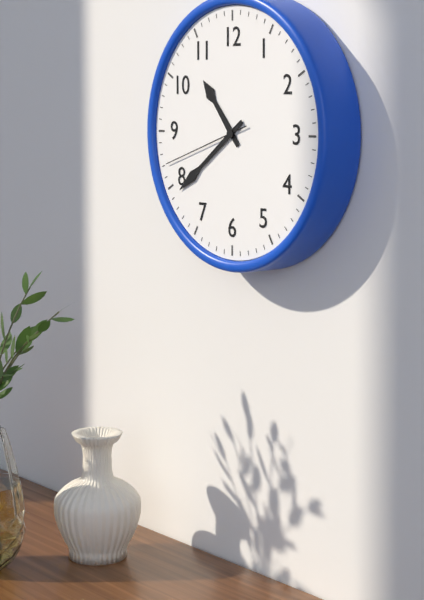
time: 10:39:42
